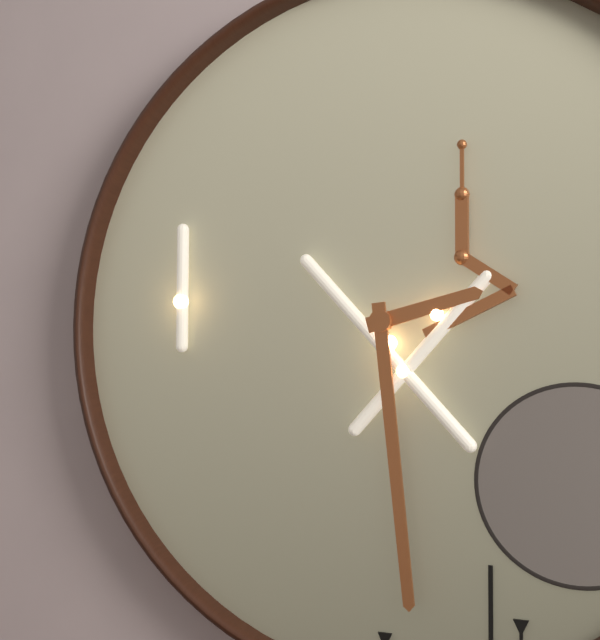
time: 2:29
